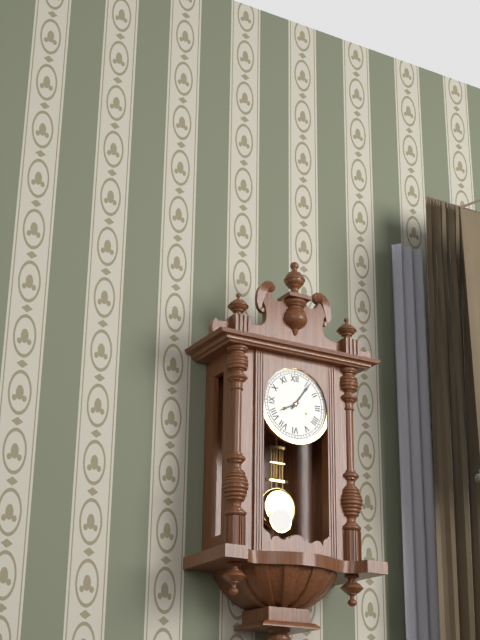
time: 8:06
